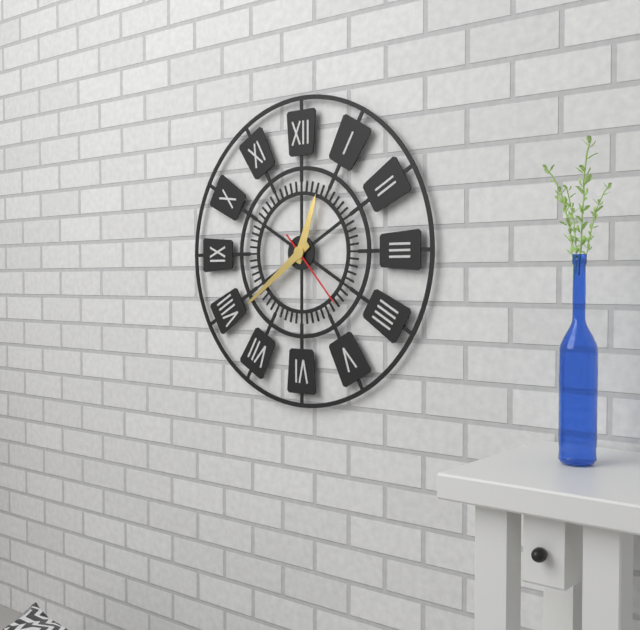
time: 12:39:23
